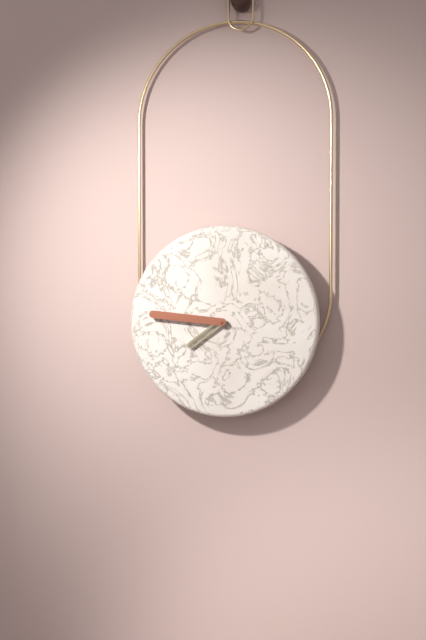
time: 7:46
